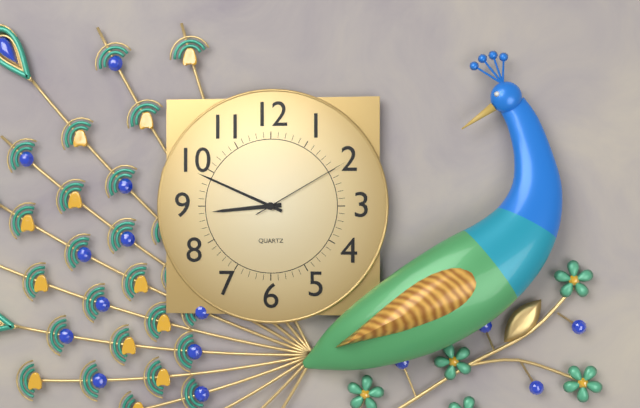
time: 8:49:10
